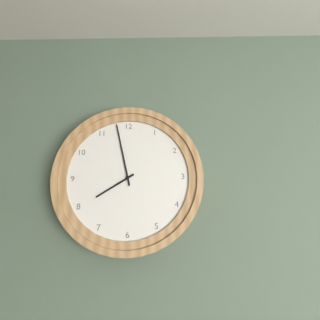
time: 7:58
